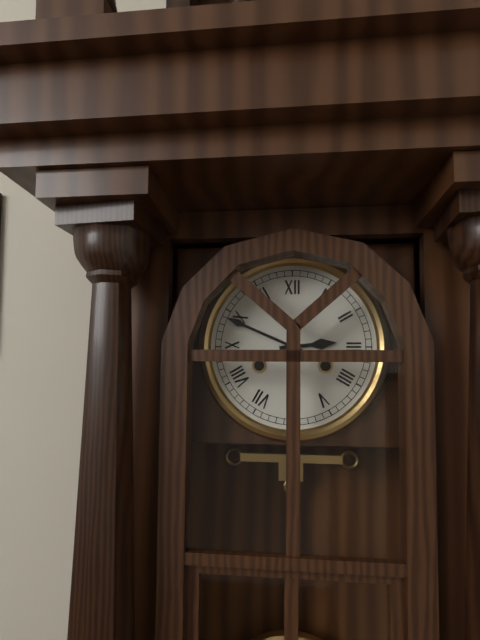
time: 2:49
